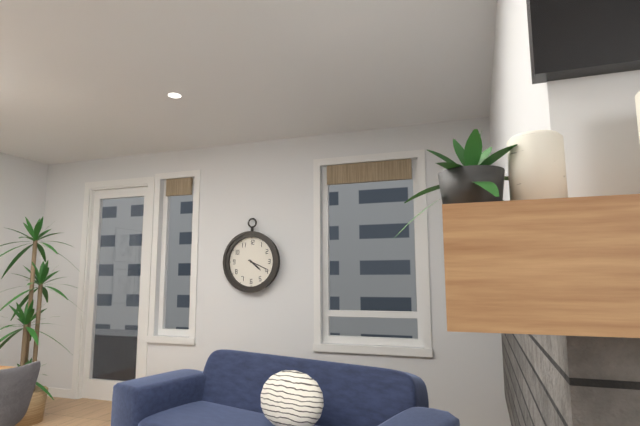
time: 4:19
